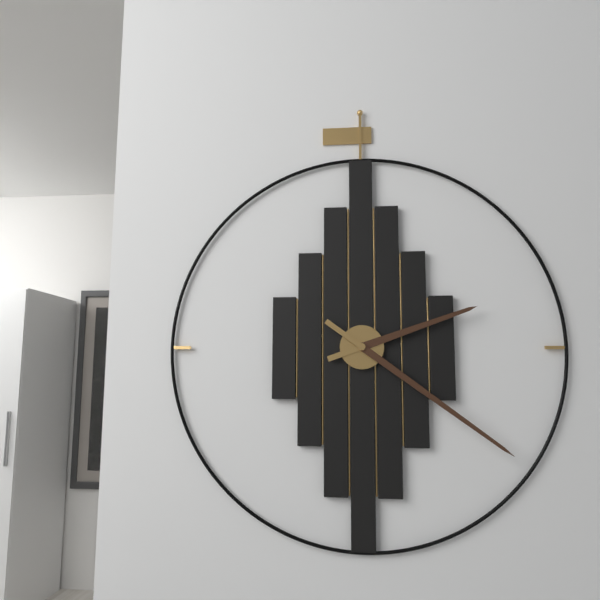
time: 2:21
